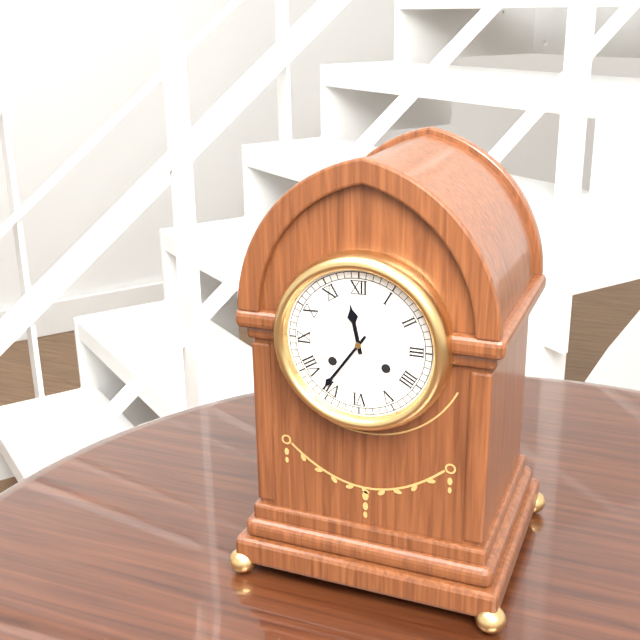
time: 11:36
